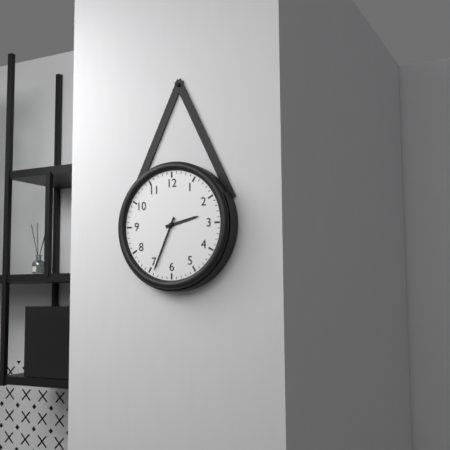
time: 2:34
